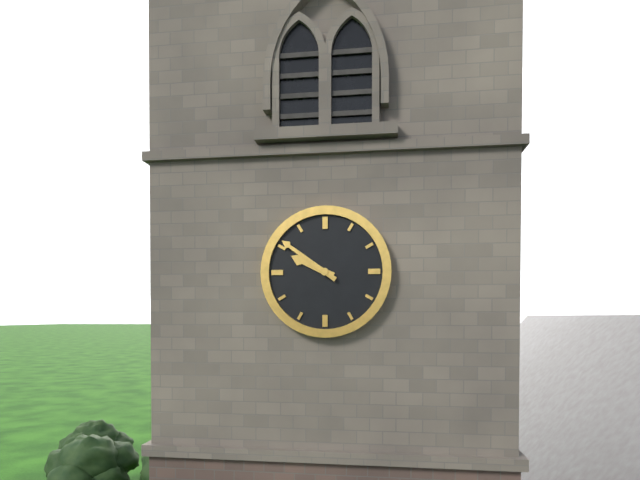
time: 9:51
